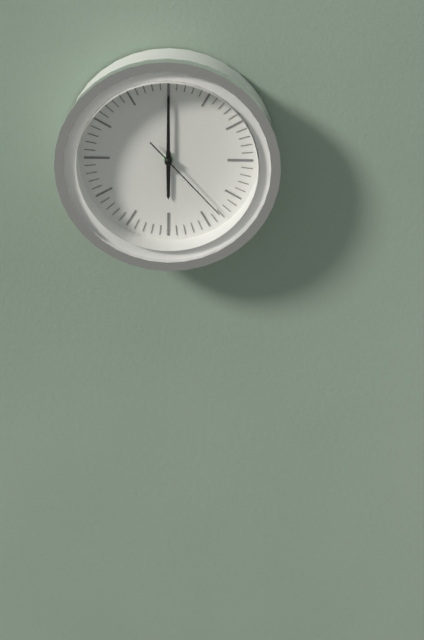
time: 6:00:23
